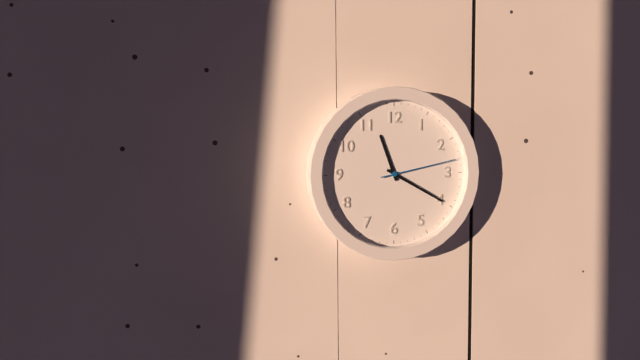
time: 11:20:13
